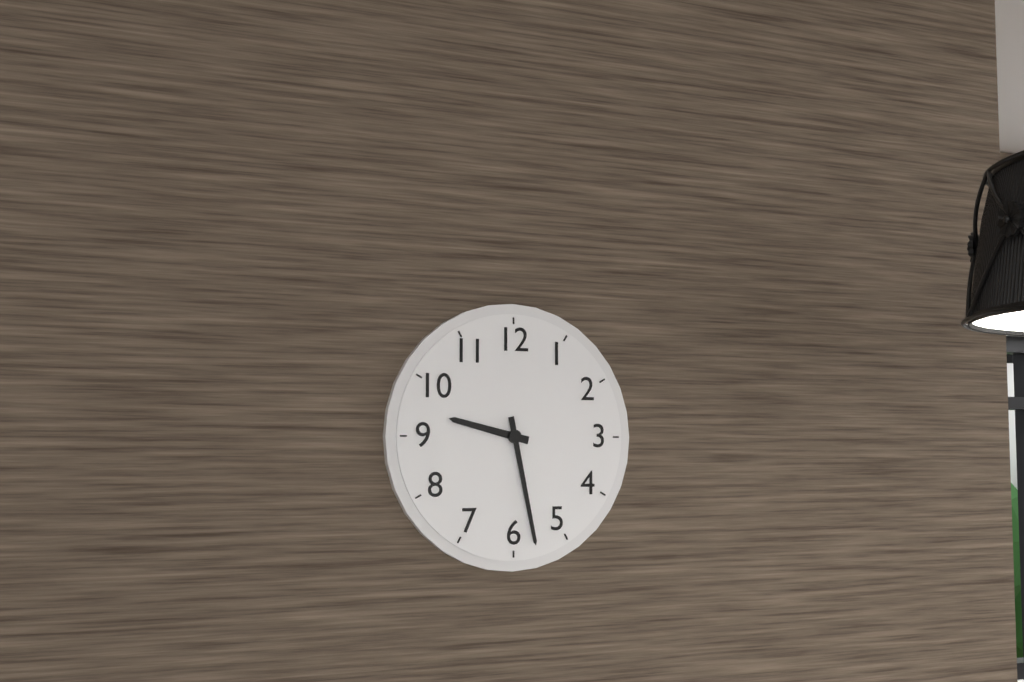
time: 9:28
